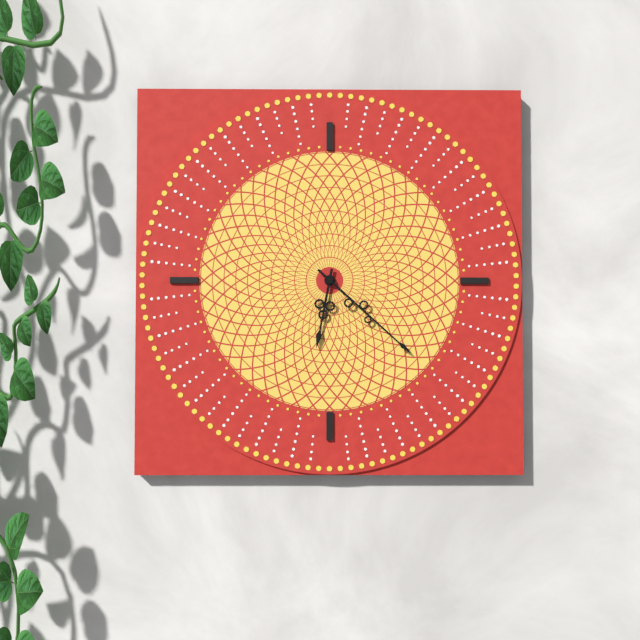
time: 6:22
